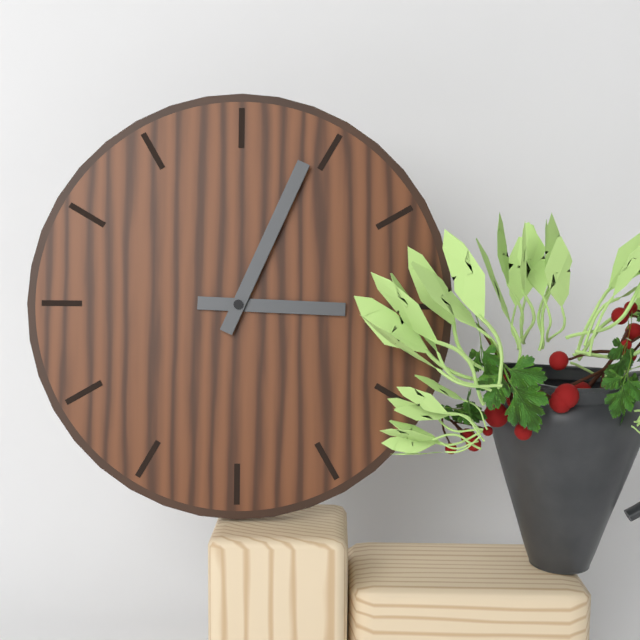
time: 3:04
